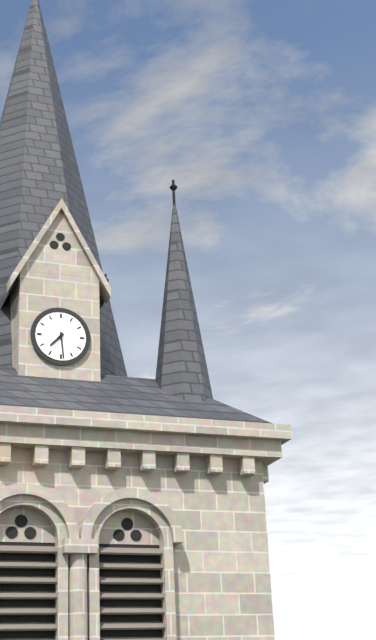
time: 7:29
